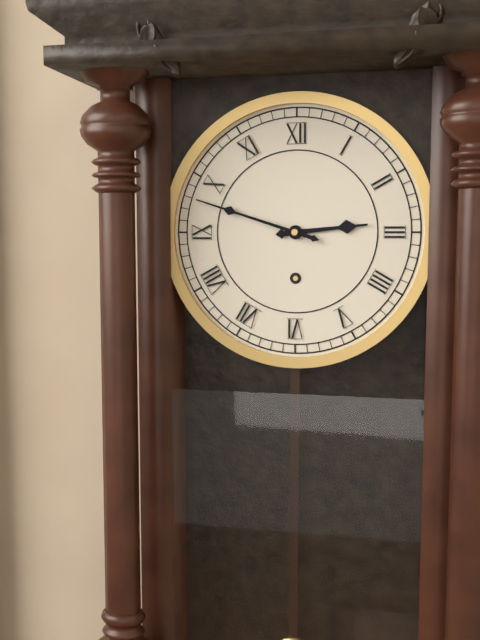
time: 2:48
